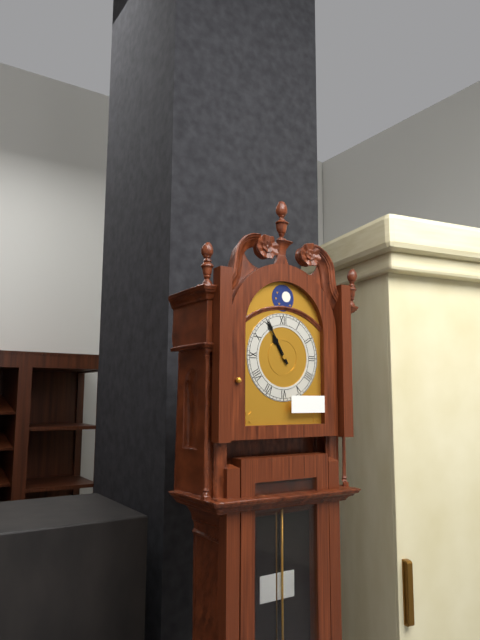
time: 10:55
